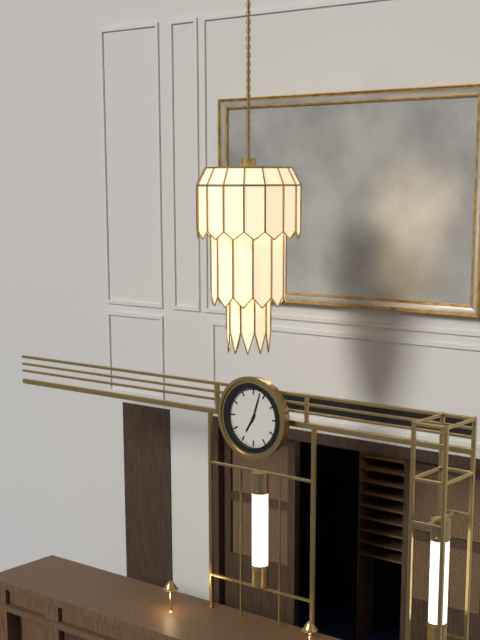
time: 7:03
